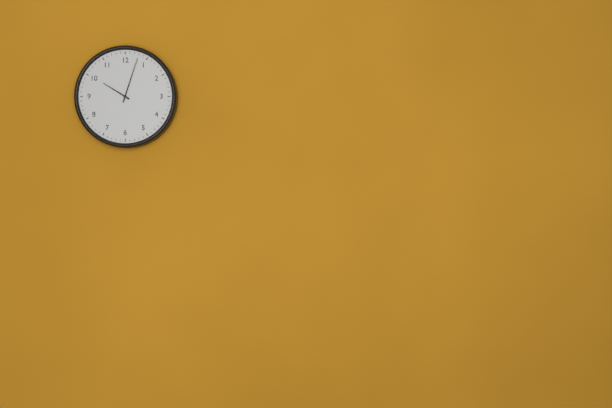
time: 10:03
